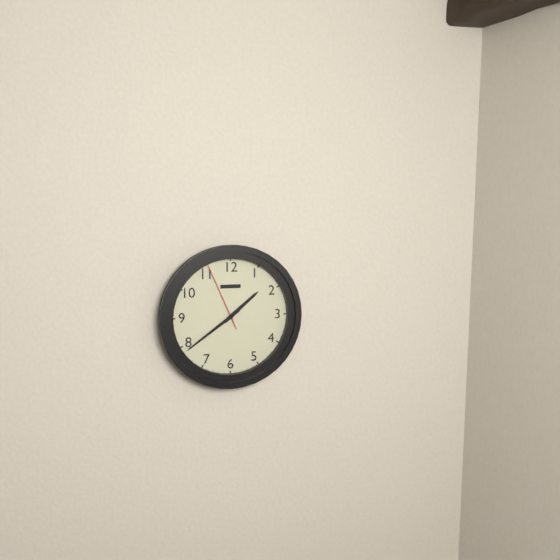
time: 1:39:56
